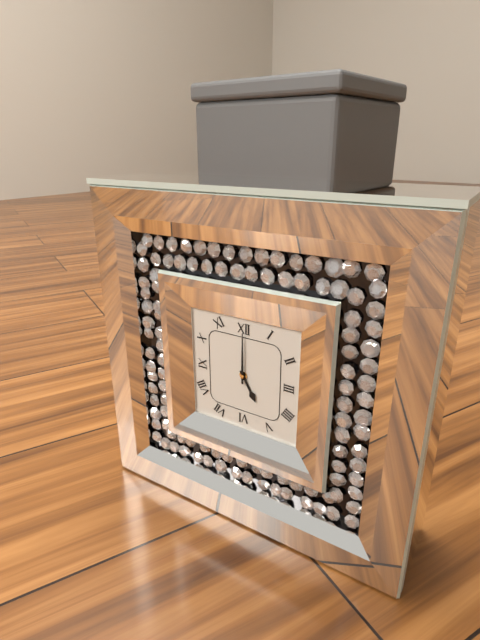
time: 5:00
